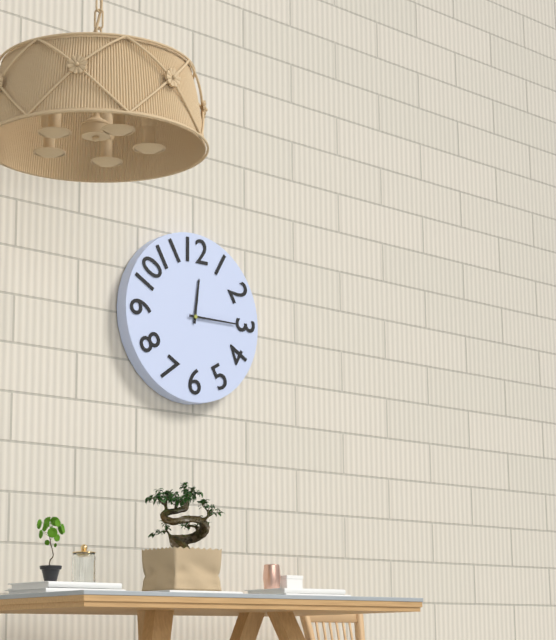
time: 12:15
